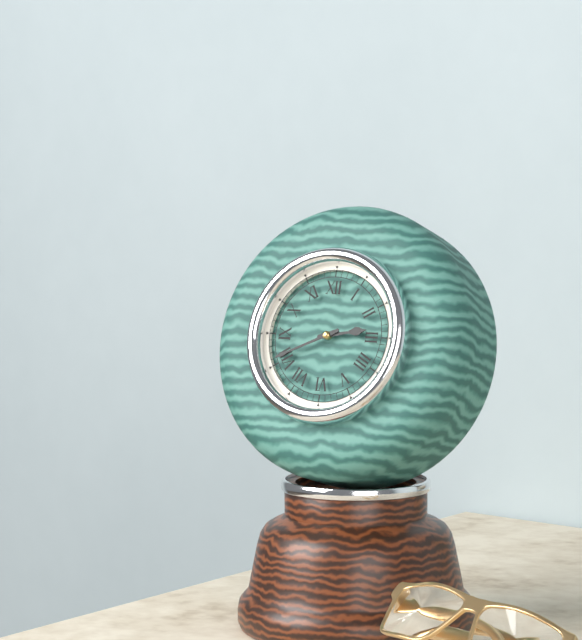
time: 2:41
